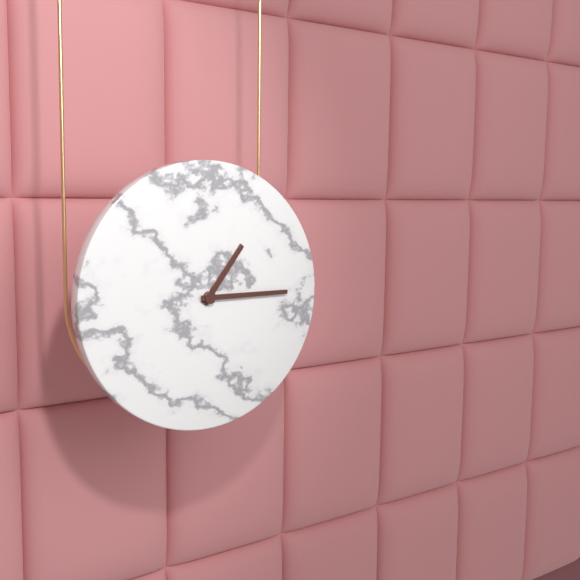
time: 1:15
